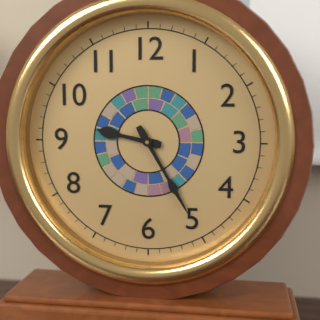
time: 9:25
